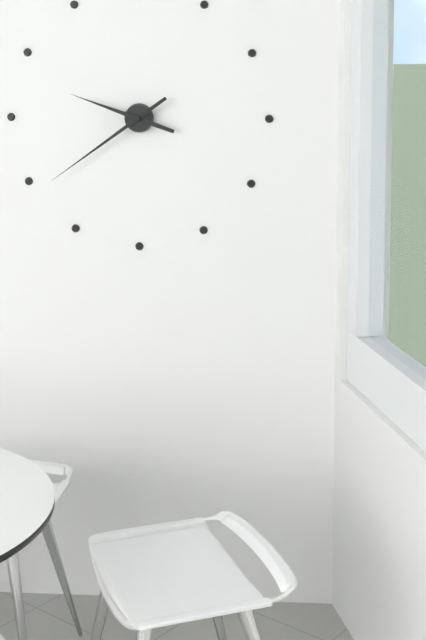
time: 9:39
